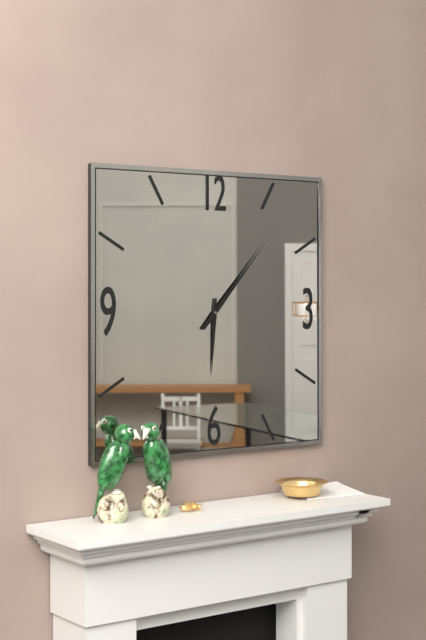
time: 6:07
